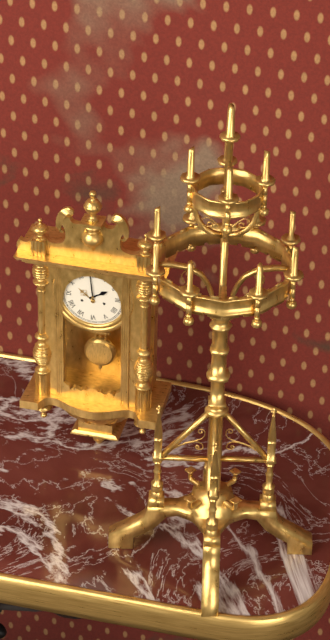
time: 1:59
